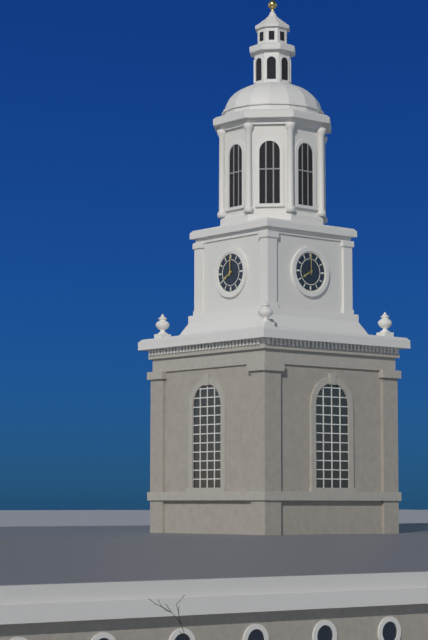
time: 8:00
